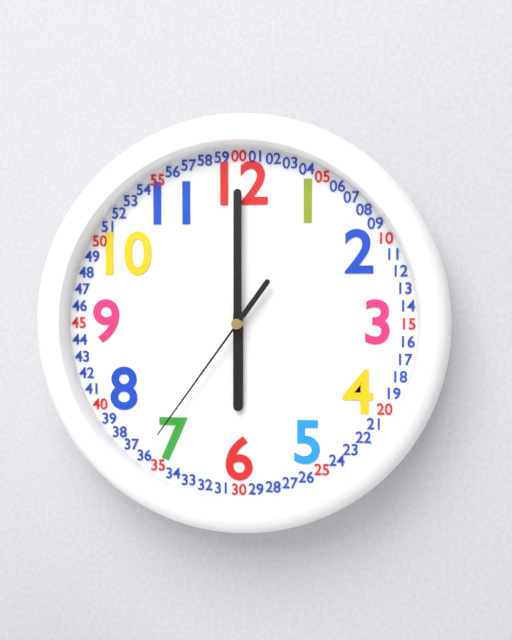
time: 6:00:36
